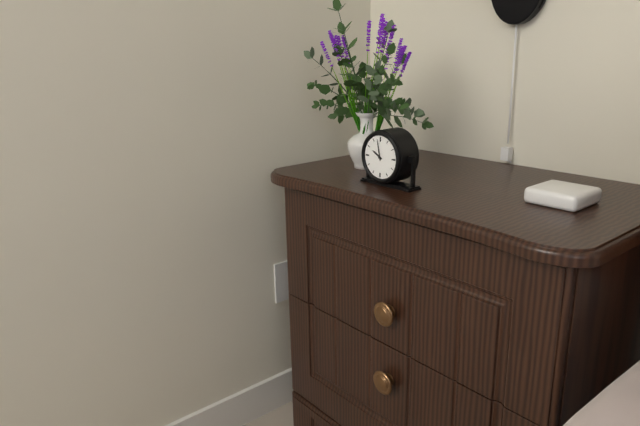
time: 9:58
